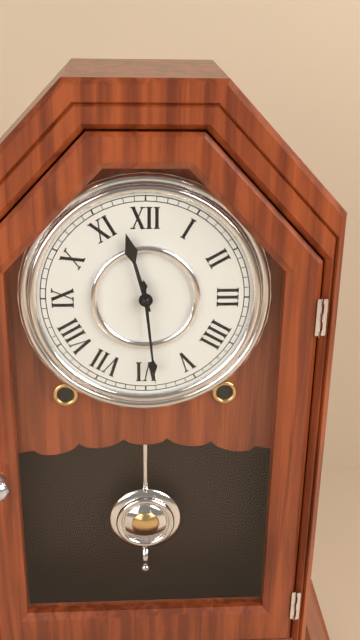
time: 11:29
